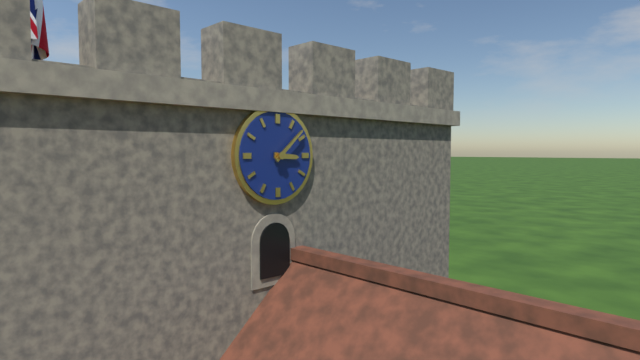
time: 3:08
